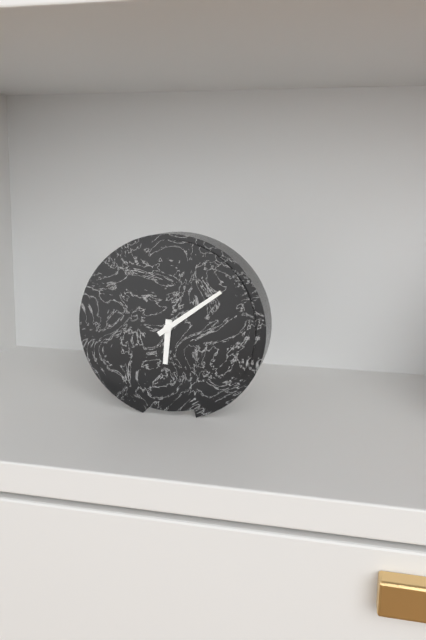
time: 6:09
